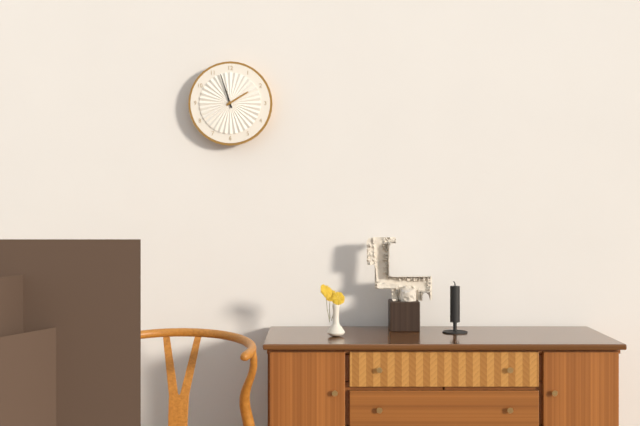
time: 1:57
